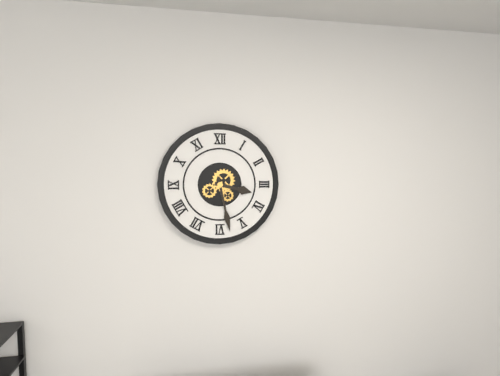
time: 3:28
